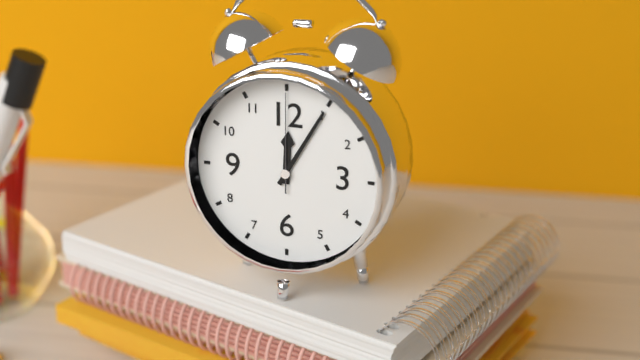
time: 12:05:00
